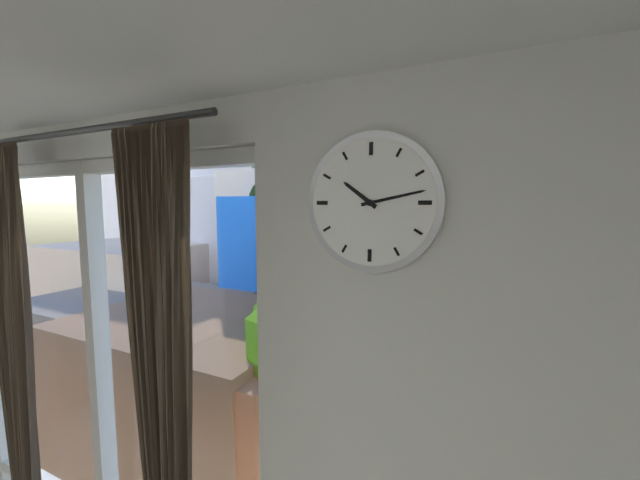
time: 10:13
